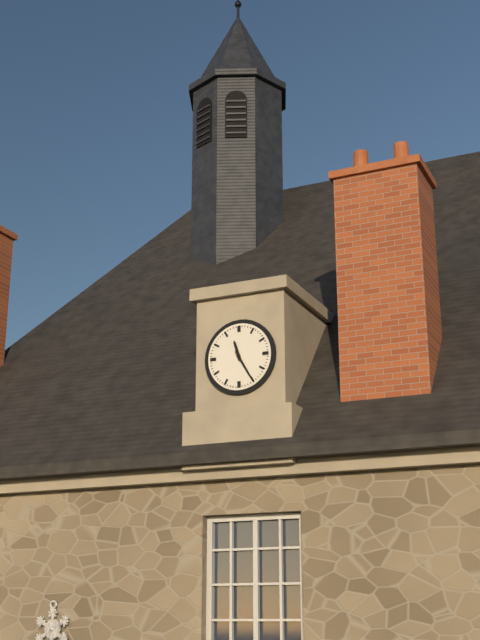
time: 11:25
